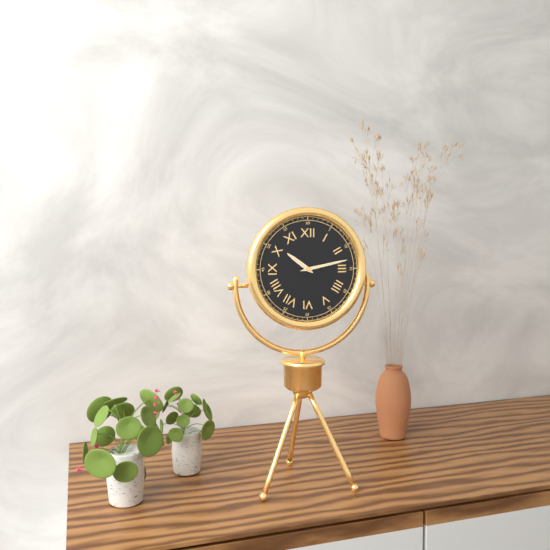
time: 10:13
